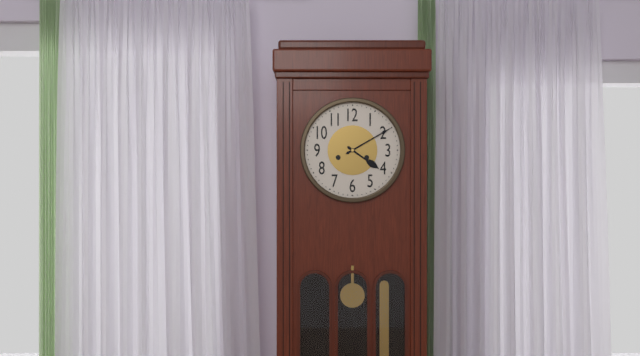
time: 4:10
